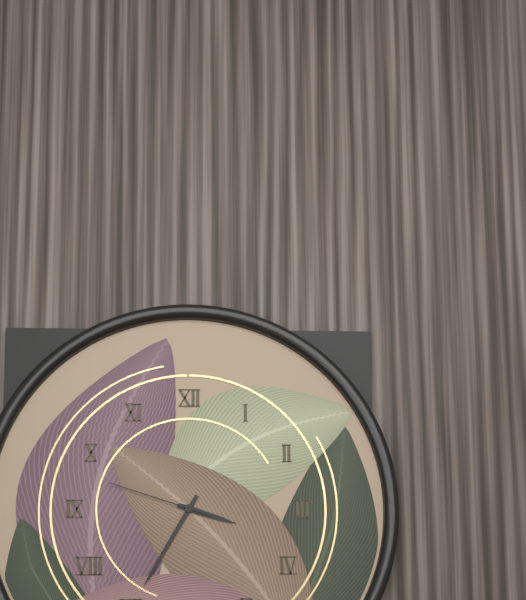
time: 3:35:48
